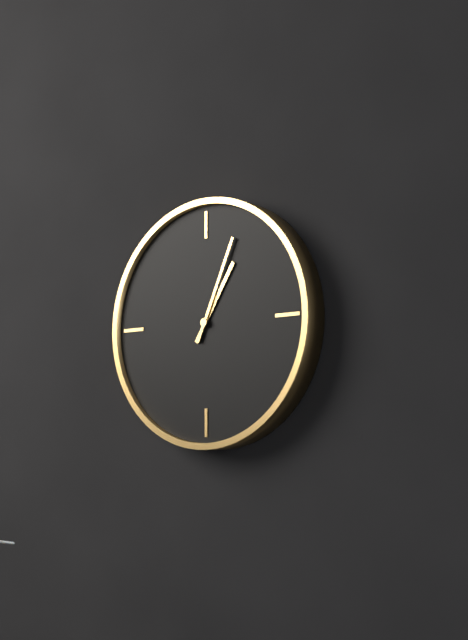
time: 1:04
